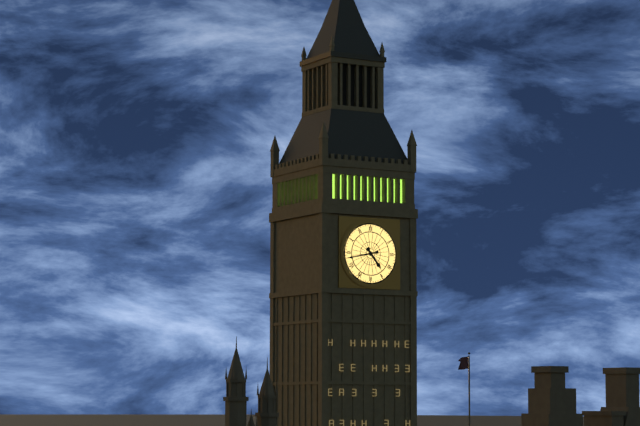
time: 4:43
